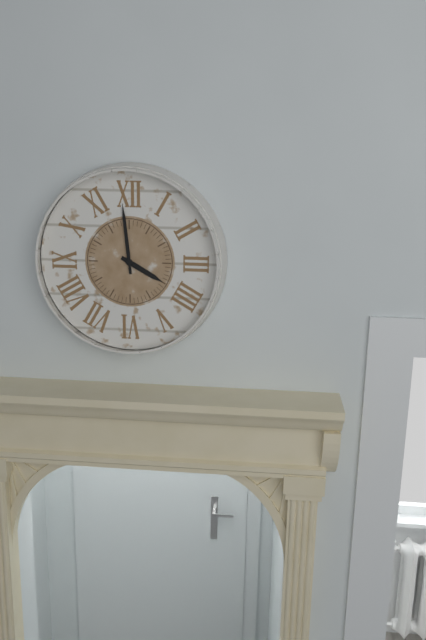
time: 3:59
